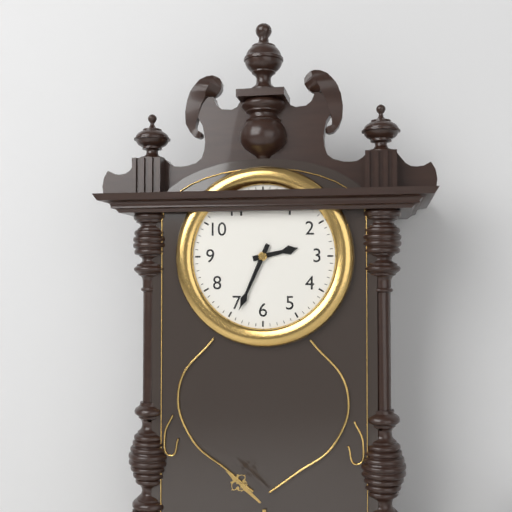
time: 2:34
